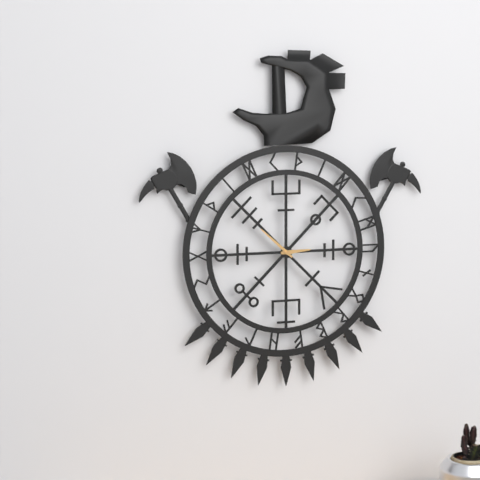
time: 2:52
